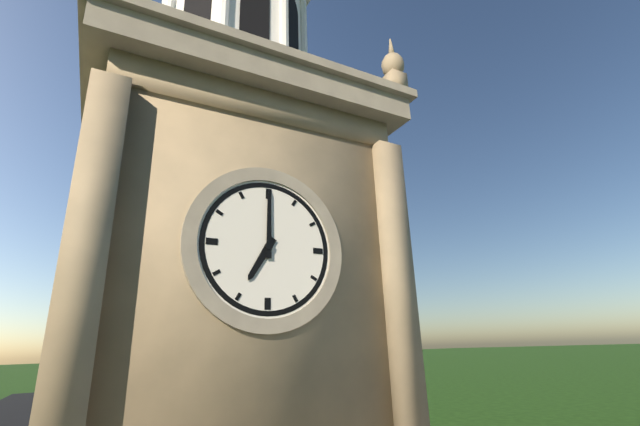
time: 7:00
